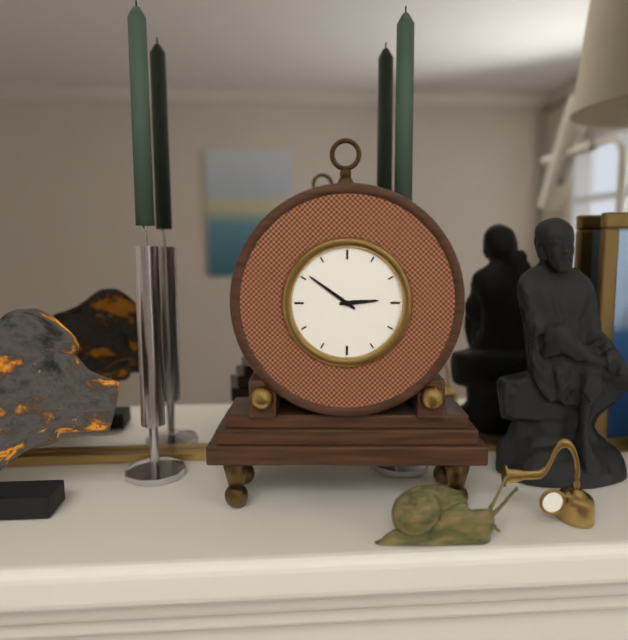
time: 2:51
